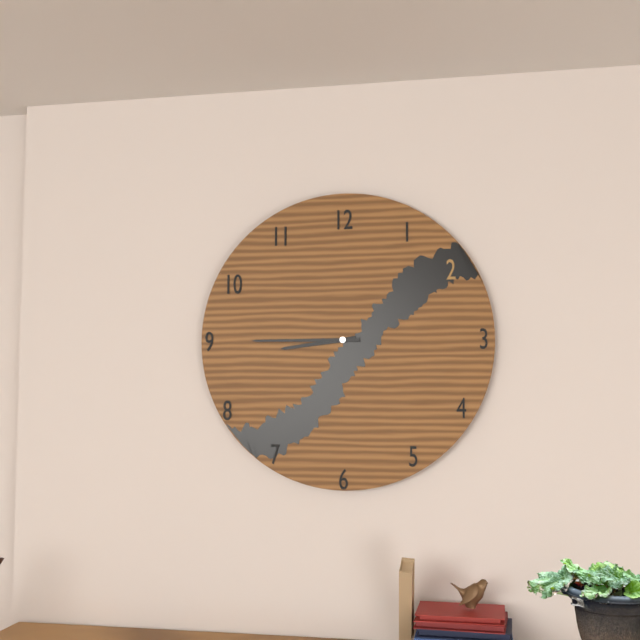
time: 8:45
